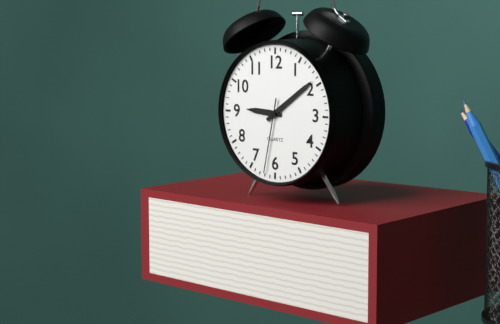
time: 9:09:32
